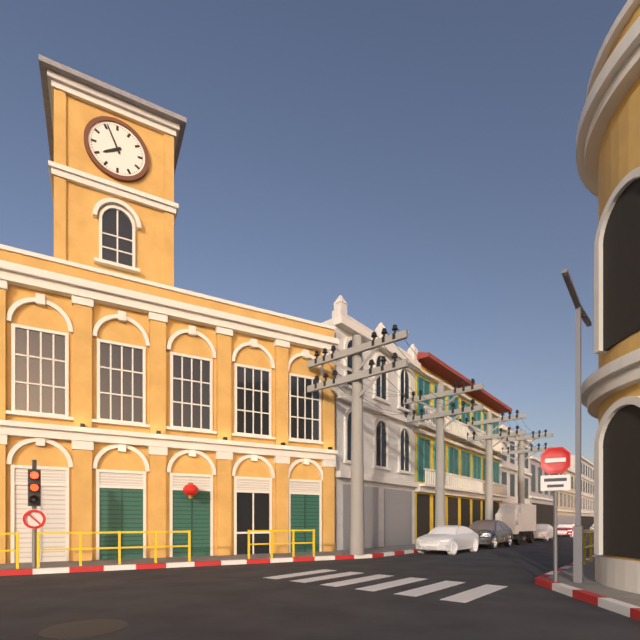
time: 7:56
